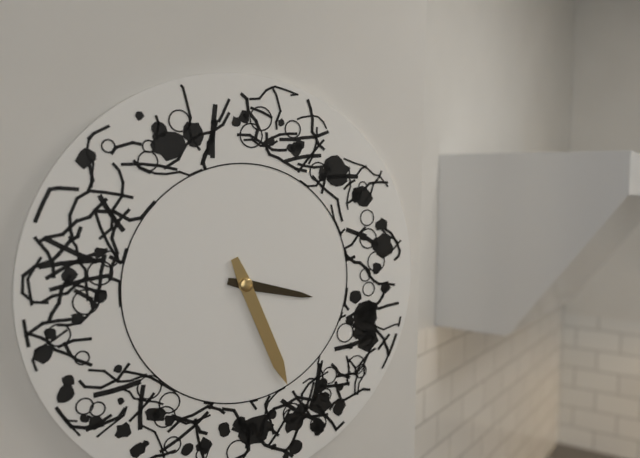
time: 3:26
